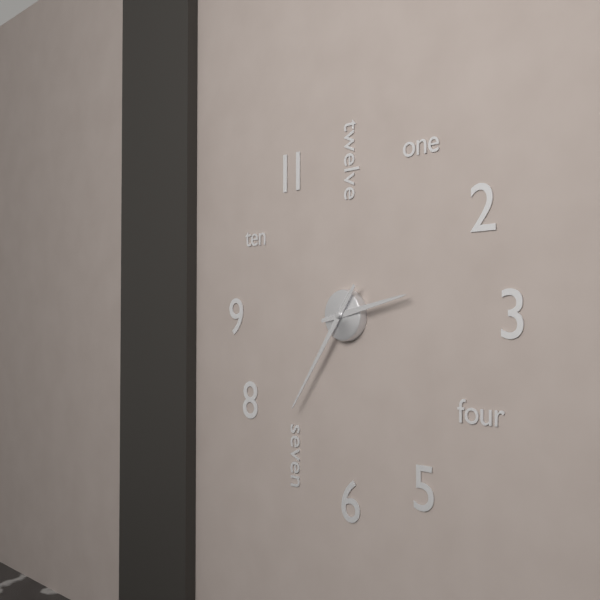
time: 2:36
